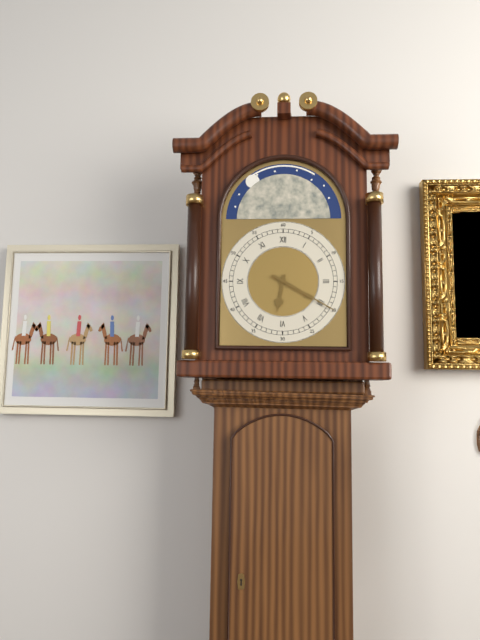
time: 6:20
